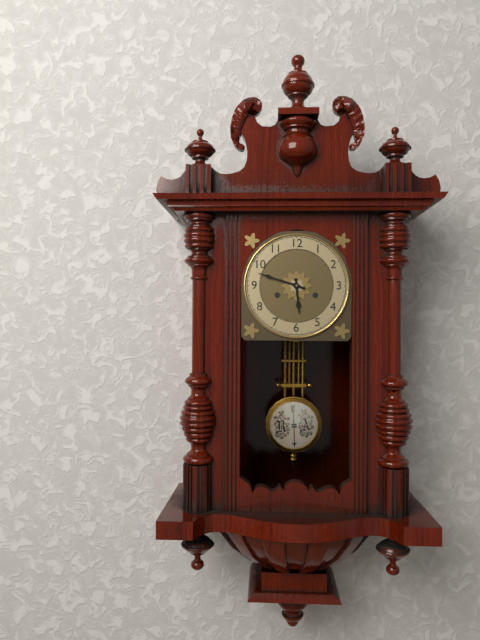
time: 5:48
